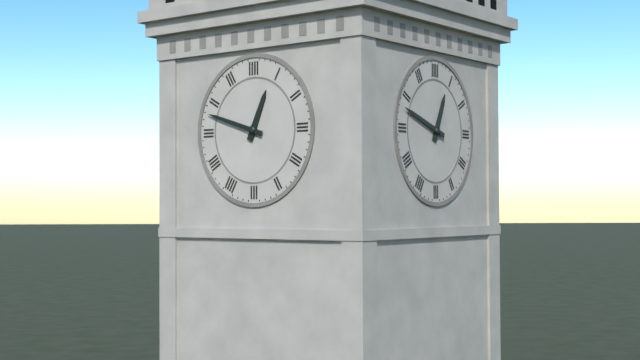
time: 12:48
